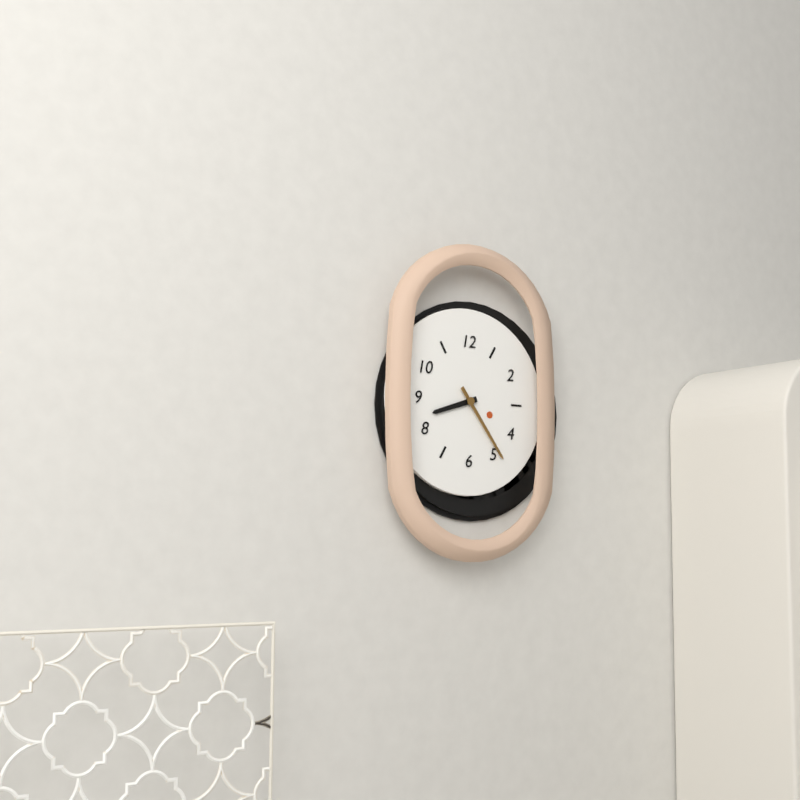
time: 8:24
